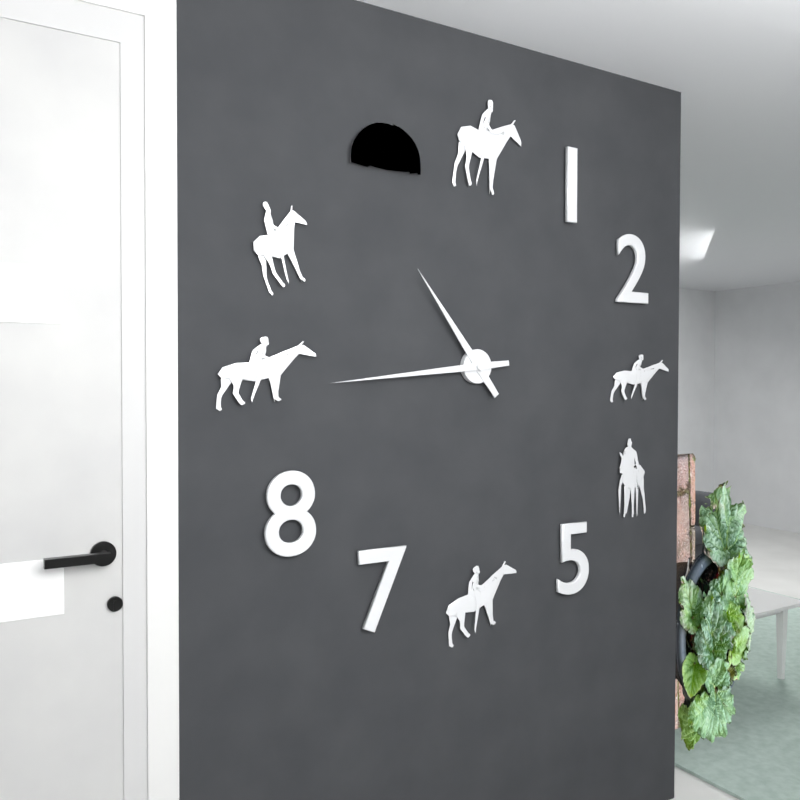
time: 10:44
